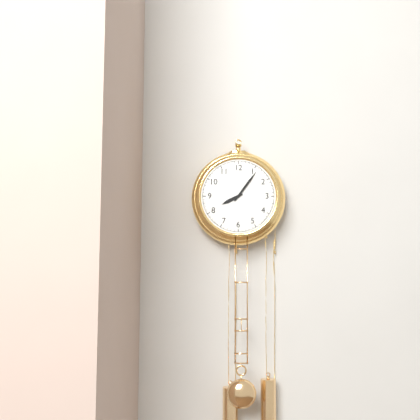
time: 8:06
